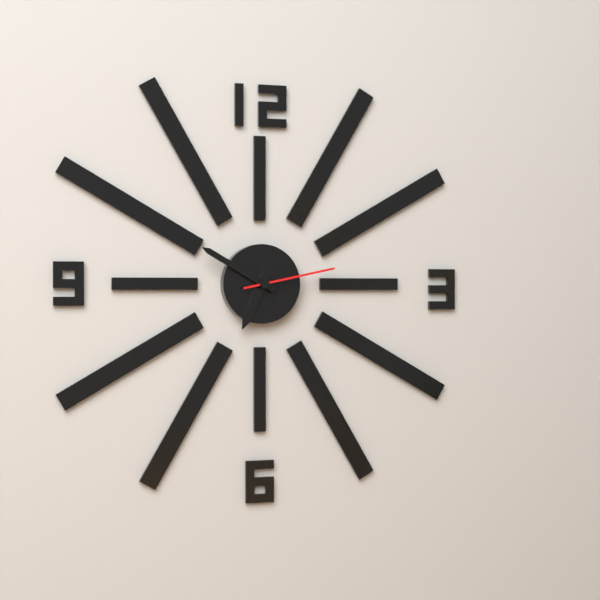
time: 6:50:13
